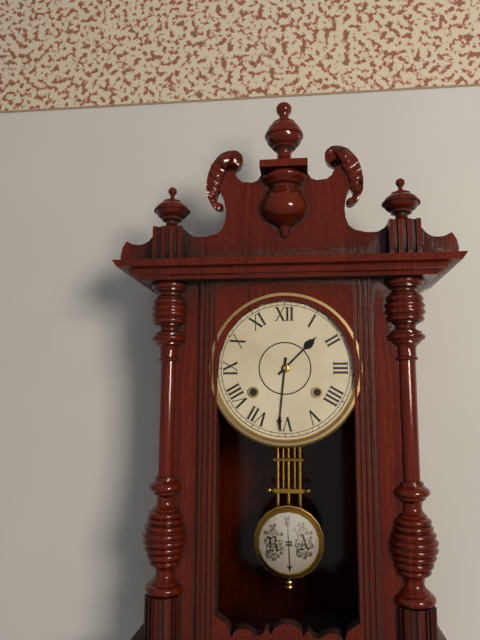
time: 1:31
